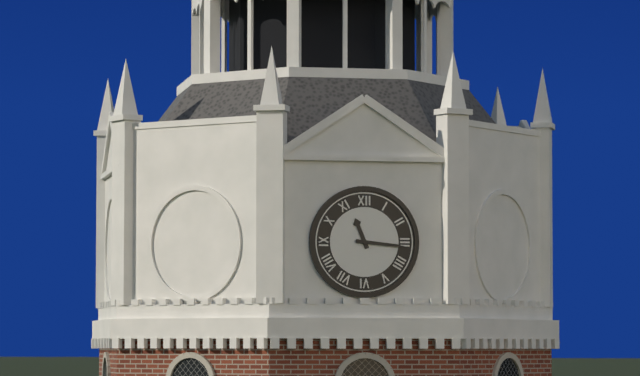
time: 11:16
